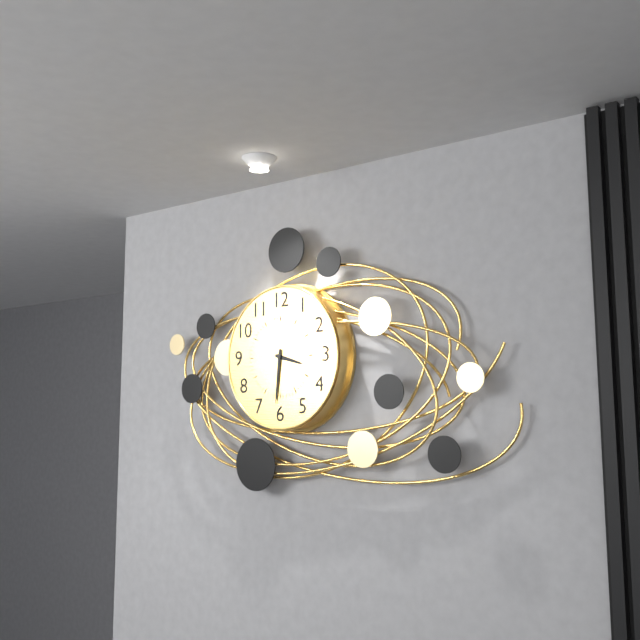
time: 3:31
